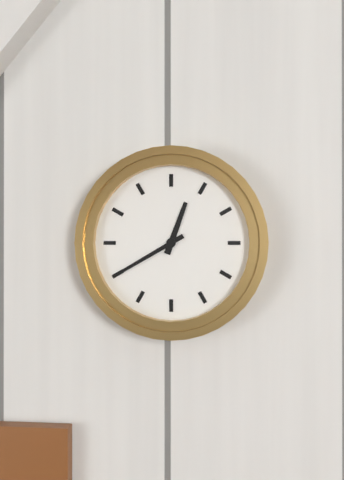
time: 12:40
